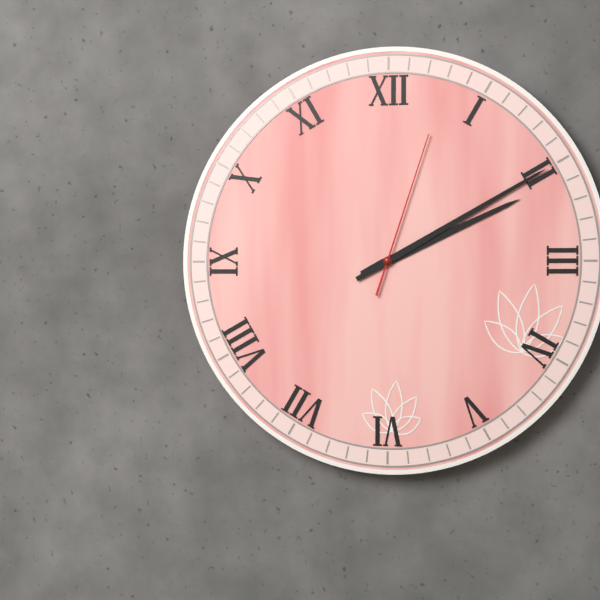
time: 2:10:03
